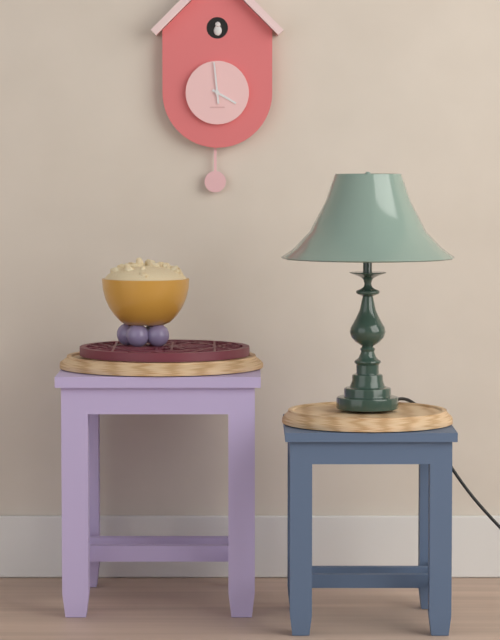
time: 3:59
